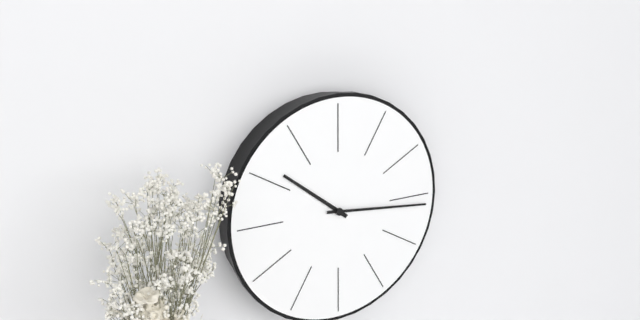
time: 10:16
